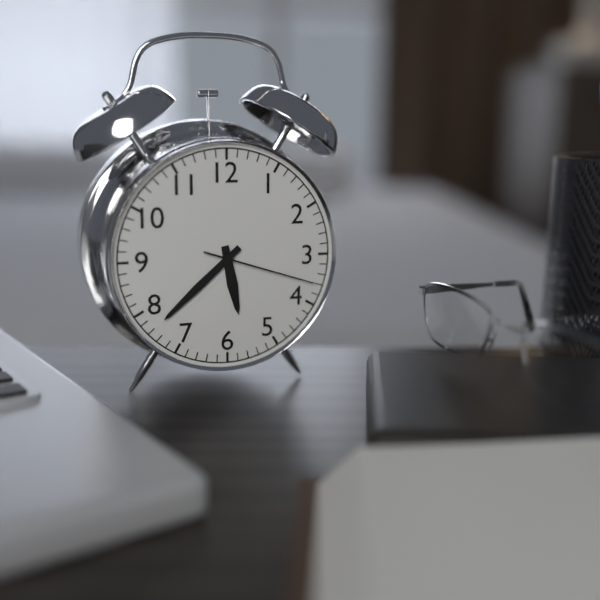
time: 5:38:18
